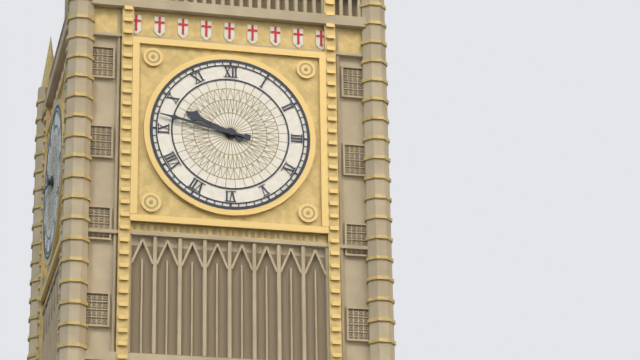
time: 9:47
